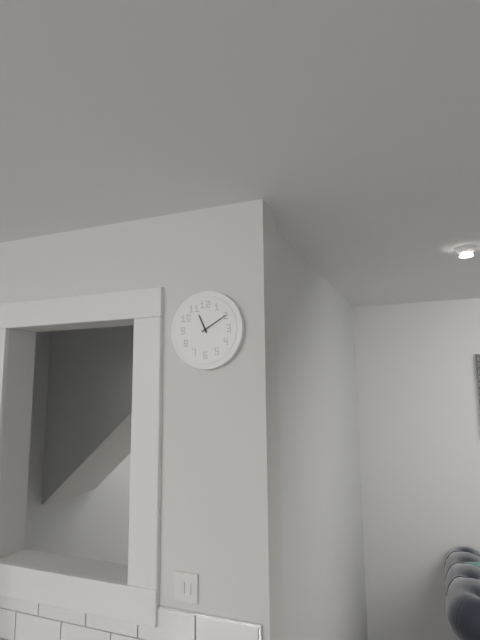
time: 11:10
